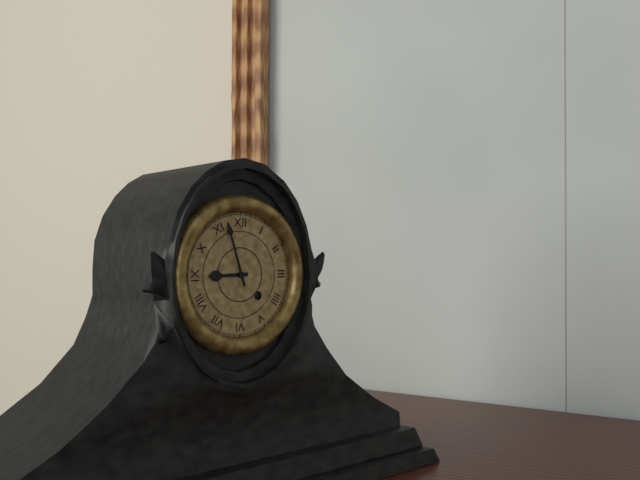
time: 8:57
